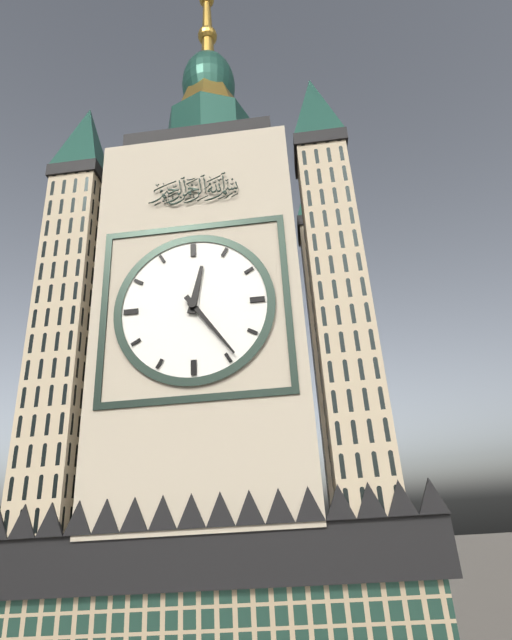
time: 12:24
